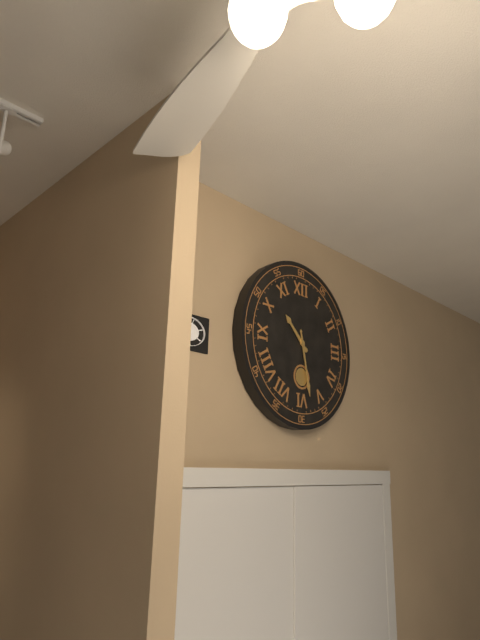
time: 10:28
